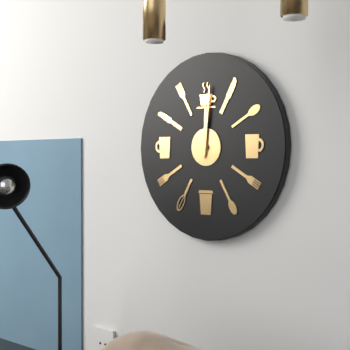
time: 12:01
